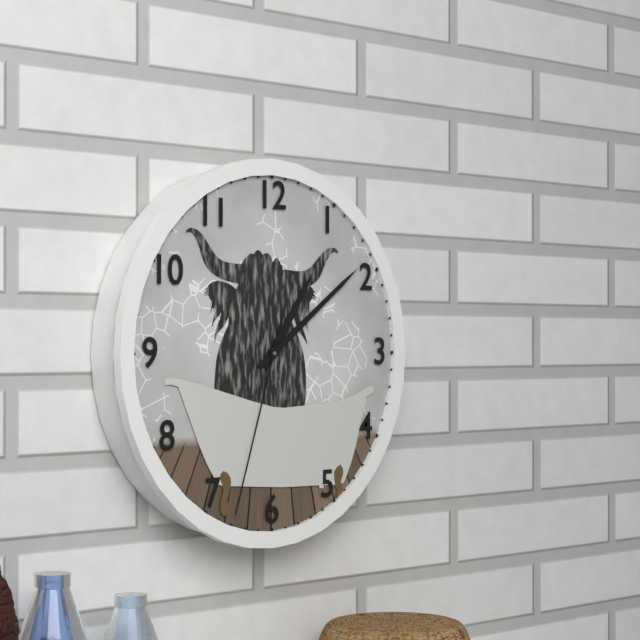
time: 1:09:33
